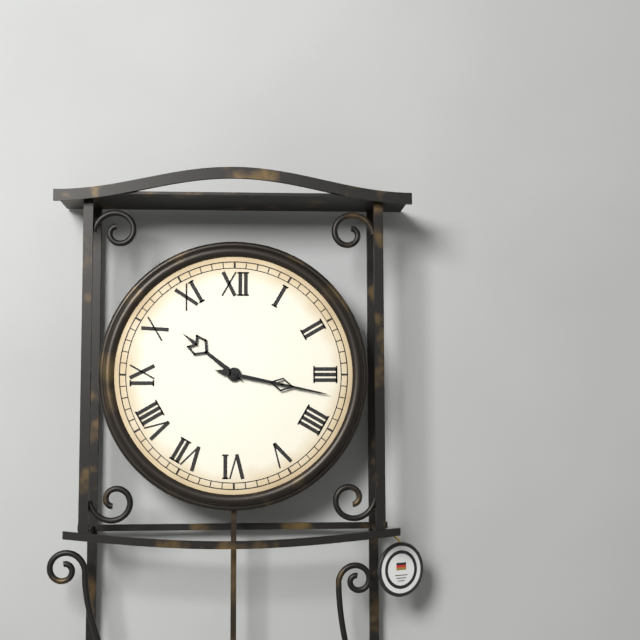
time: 10:17
